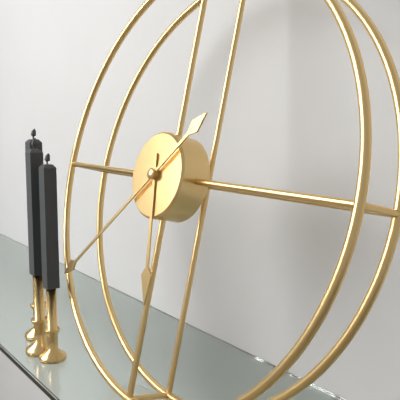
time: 5:38
